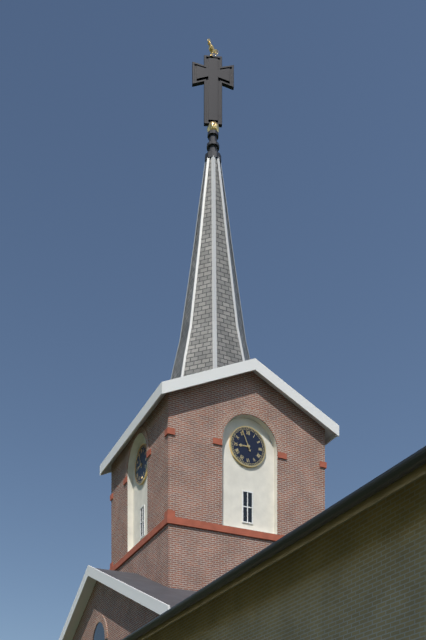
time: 8:56
